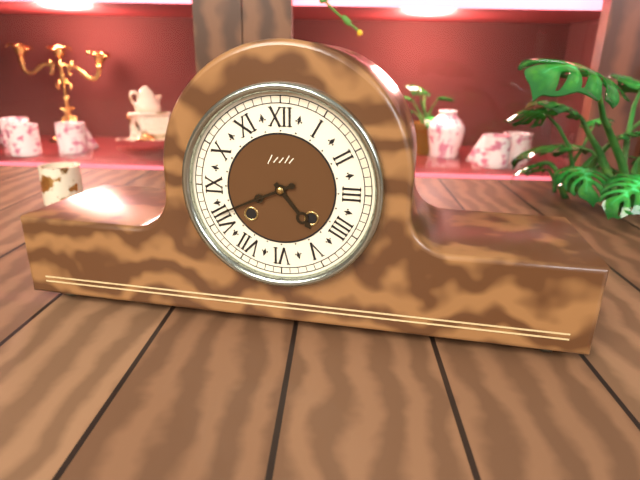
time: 4:41
